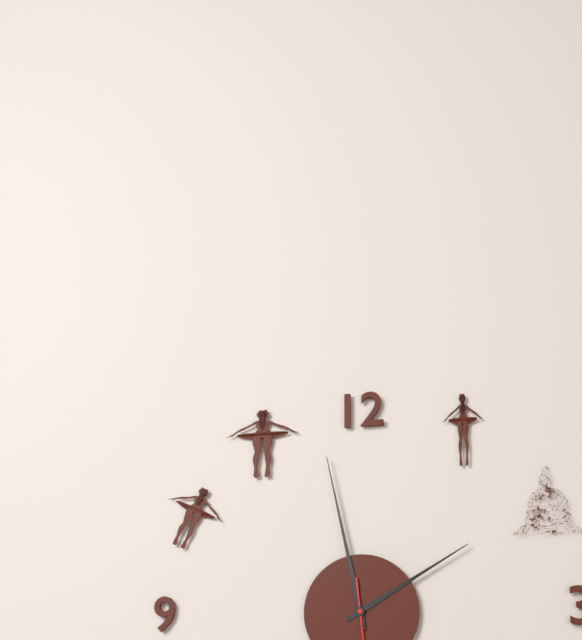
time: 1:58
